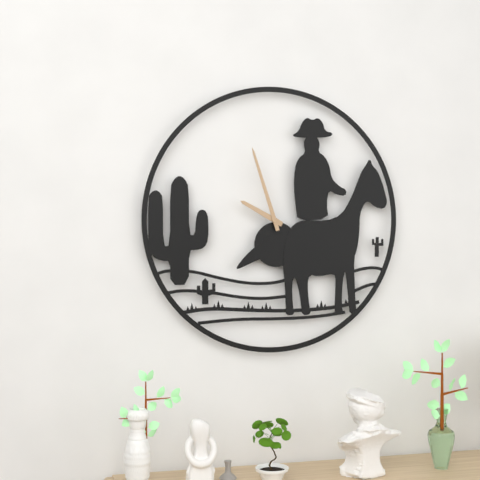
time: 9:57
